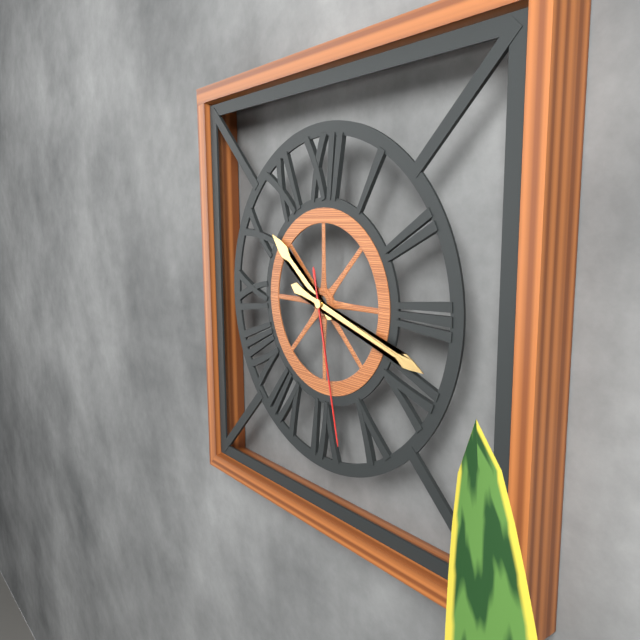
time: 10:18:28
